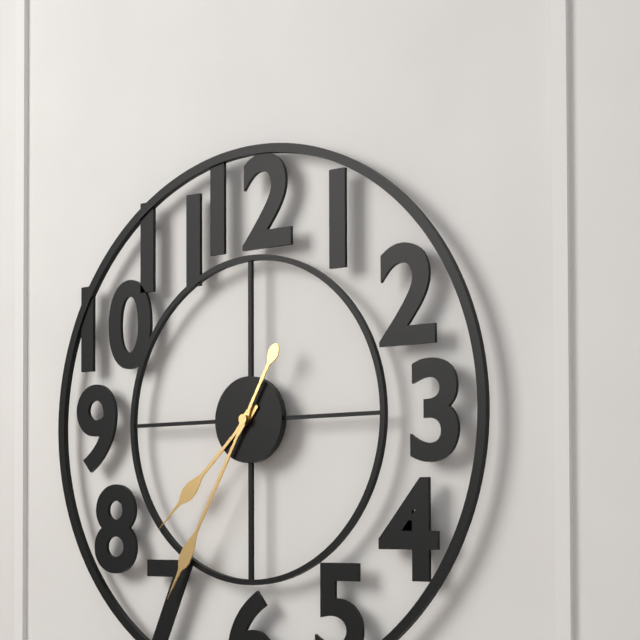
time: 7:35
